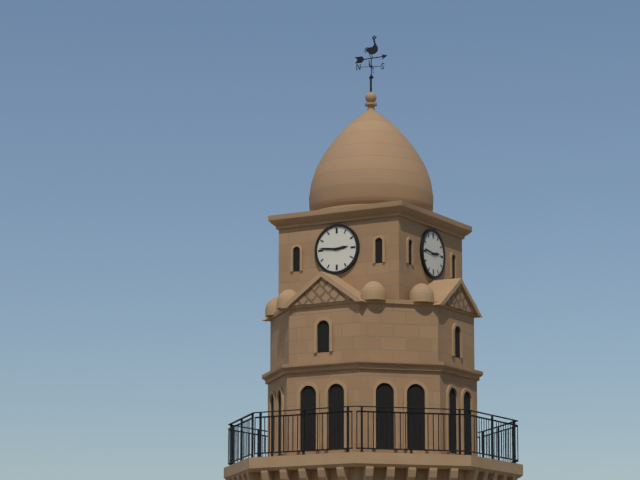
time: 2:46
